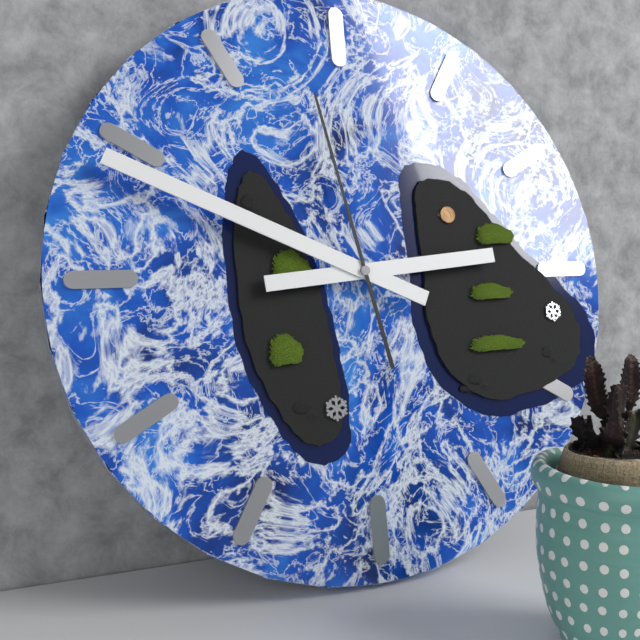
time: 2:49:58
